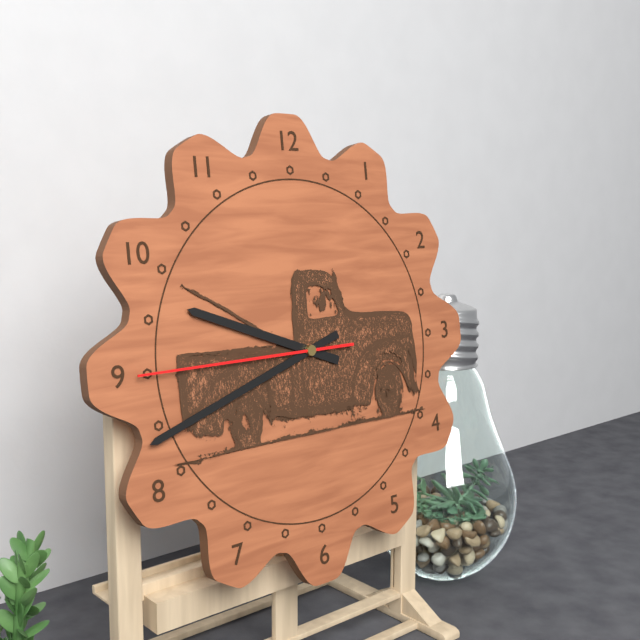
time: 9:42:45
